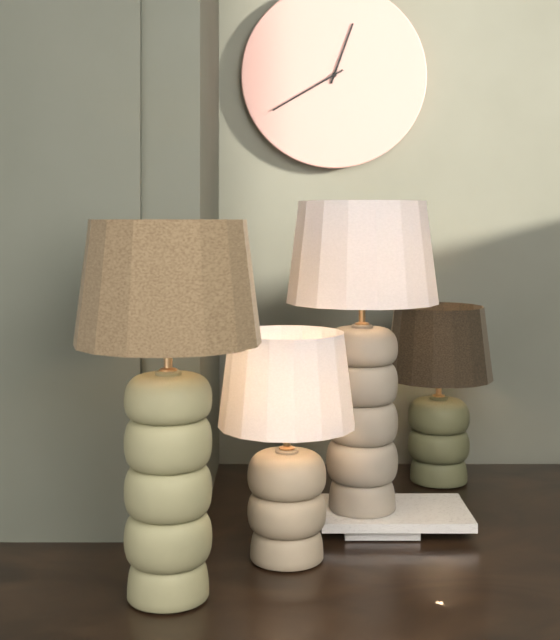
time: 12:40
